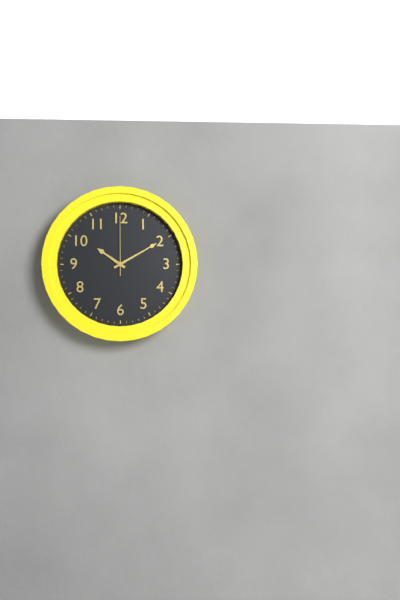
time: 10:10:00
